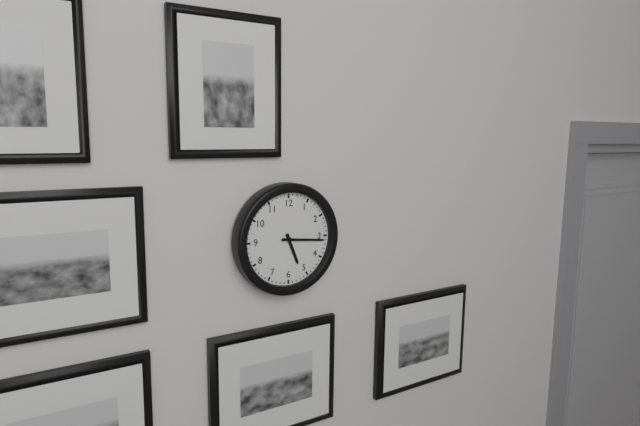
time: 5:16
